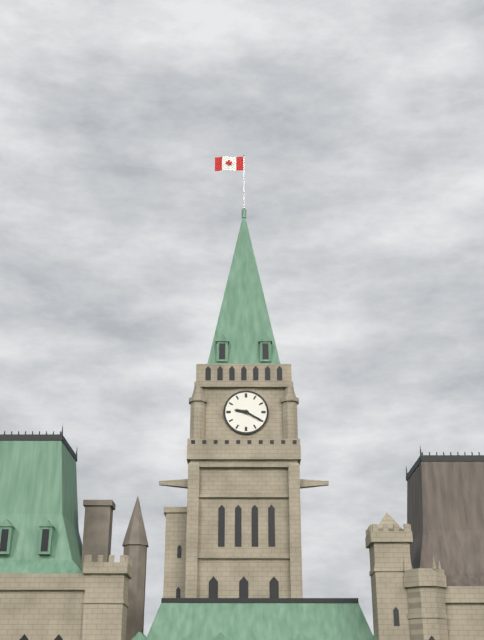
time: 9:20
